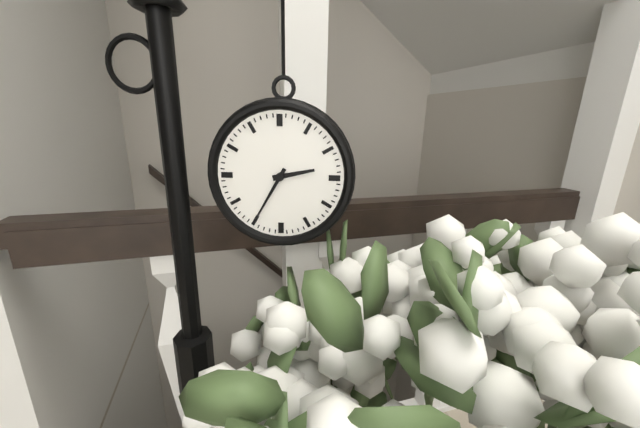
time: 2:35
